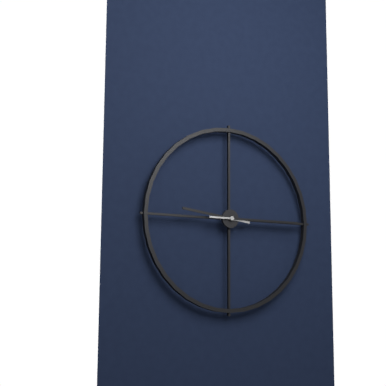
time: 9:15
